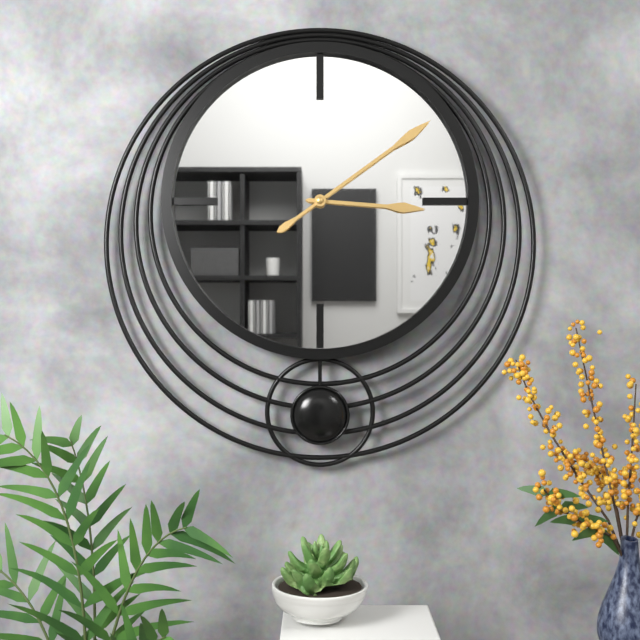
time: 3:09
